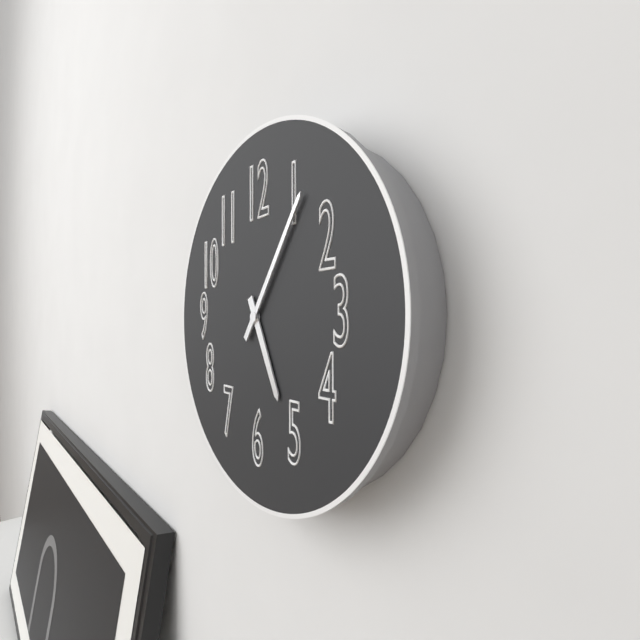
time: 5:06
